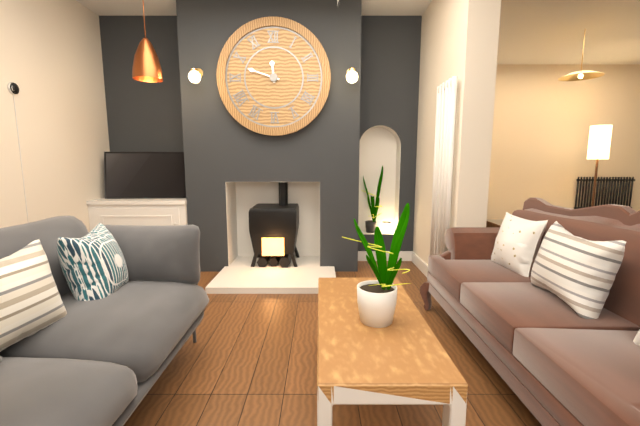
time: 11:48
